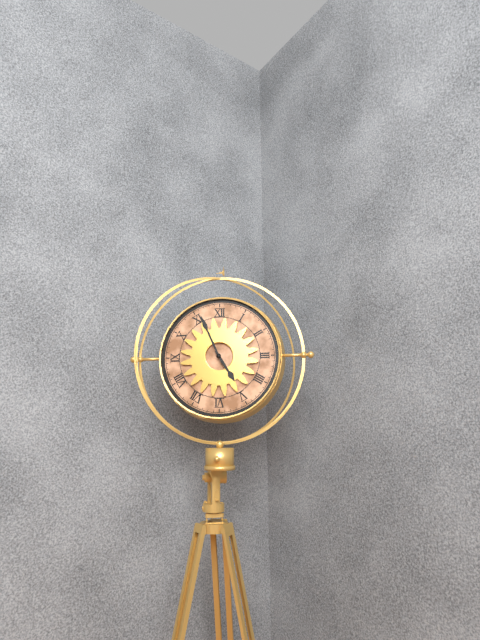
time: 4:56
